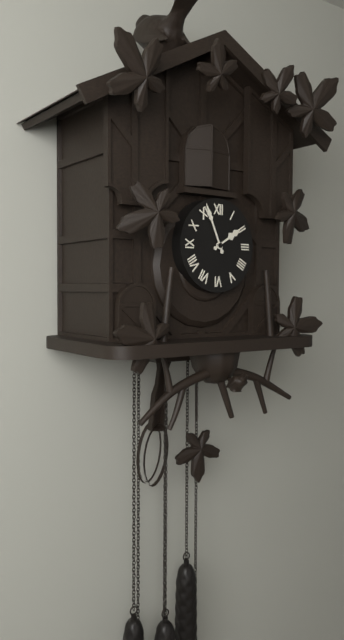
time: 1:56
